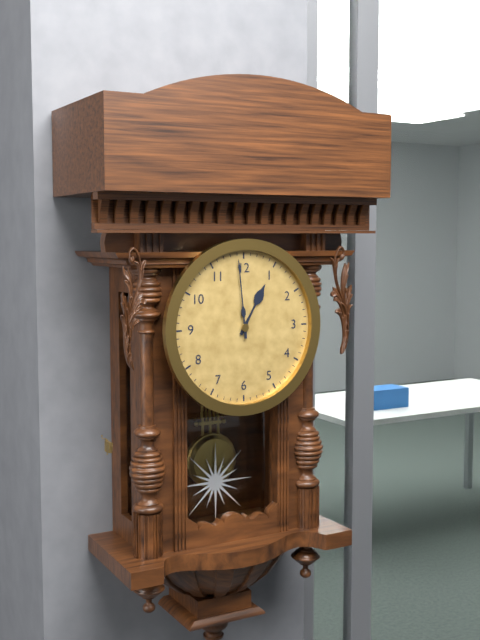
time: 12:59
